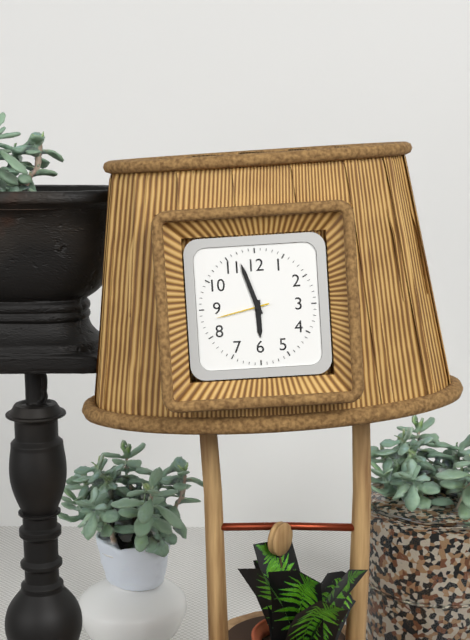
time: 5:57:43
